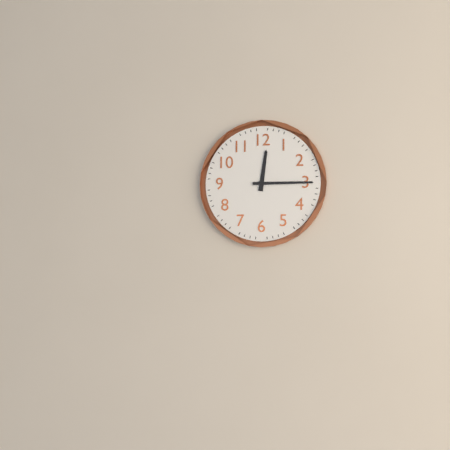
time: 12:15
